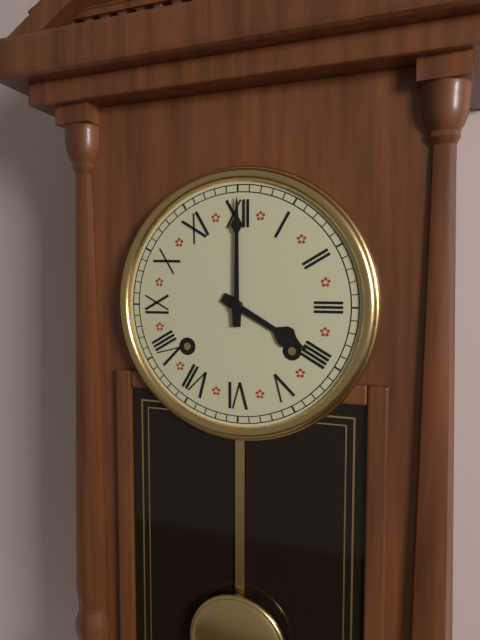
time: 4:00
